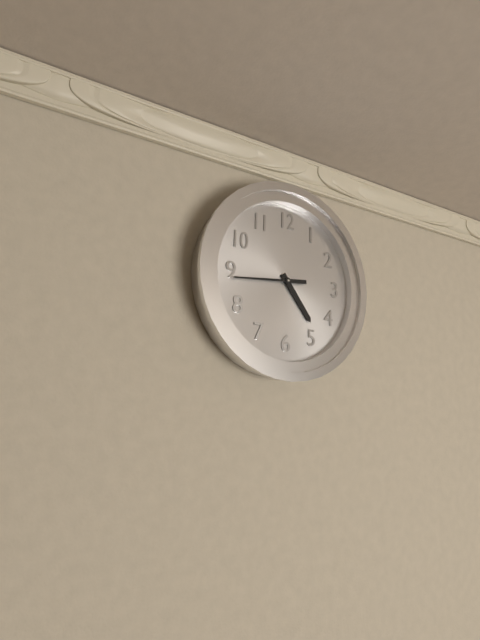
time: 4:44
